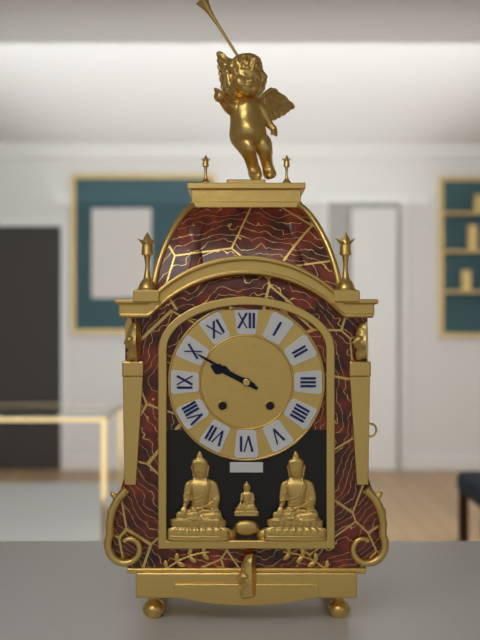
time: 9:50
